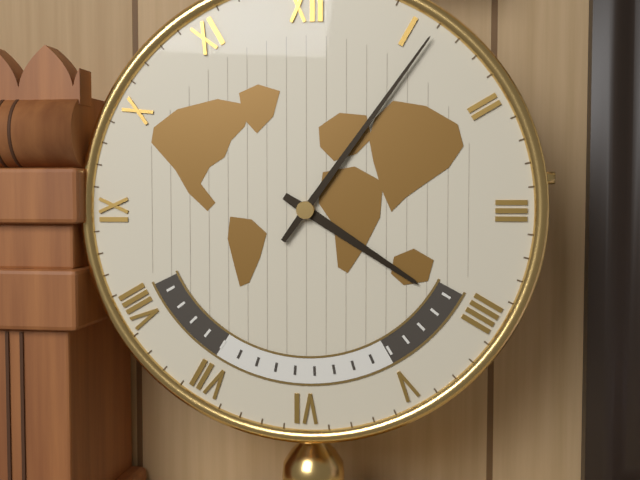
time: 4:06
